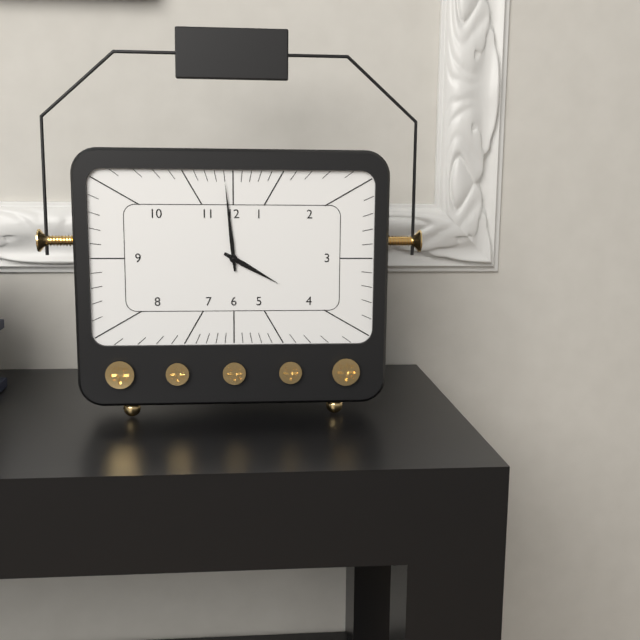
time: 3:59
